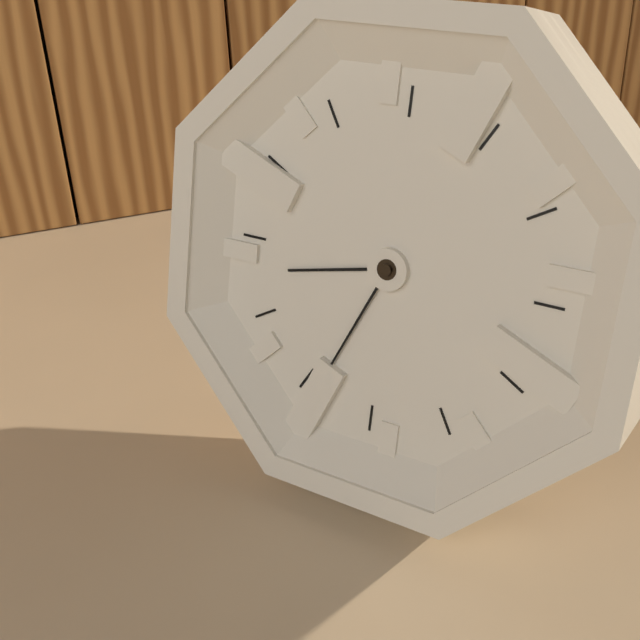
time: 8:34
